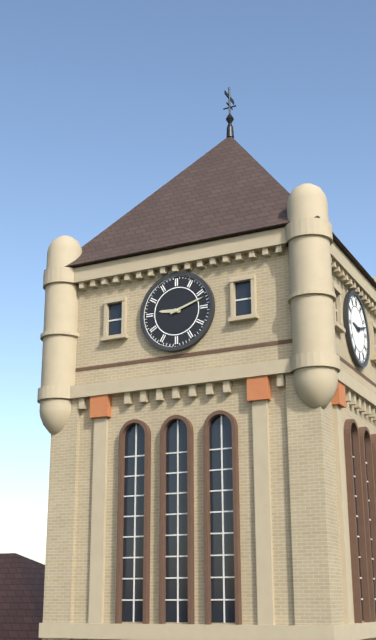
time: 9:12
